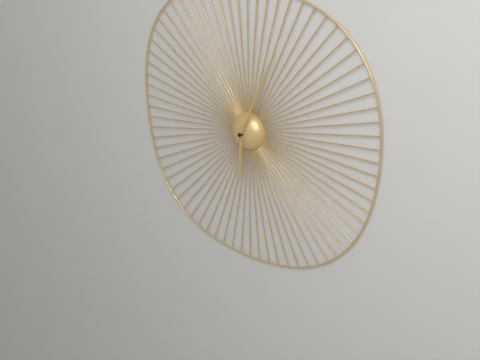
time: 6:04
